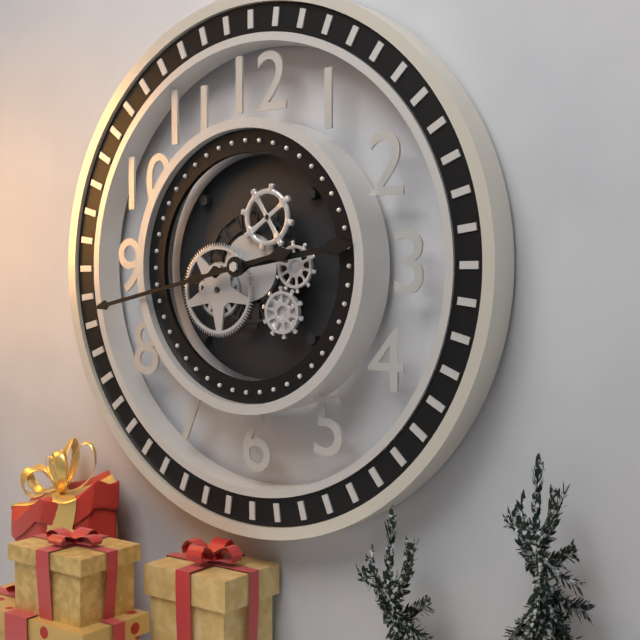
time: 2:43
